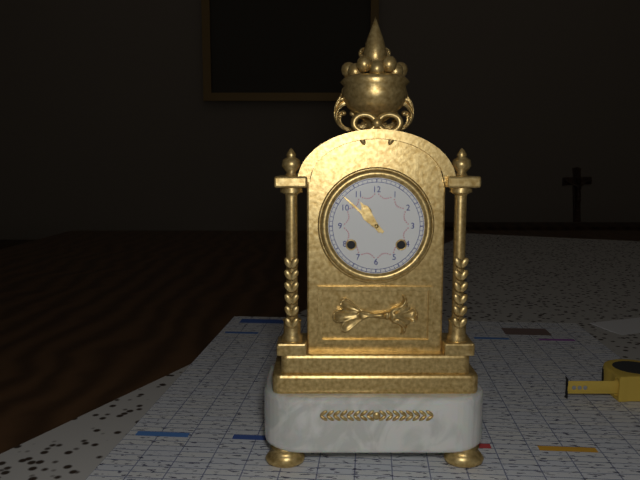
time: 10:52
